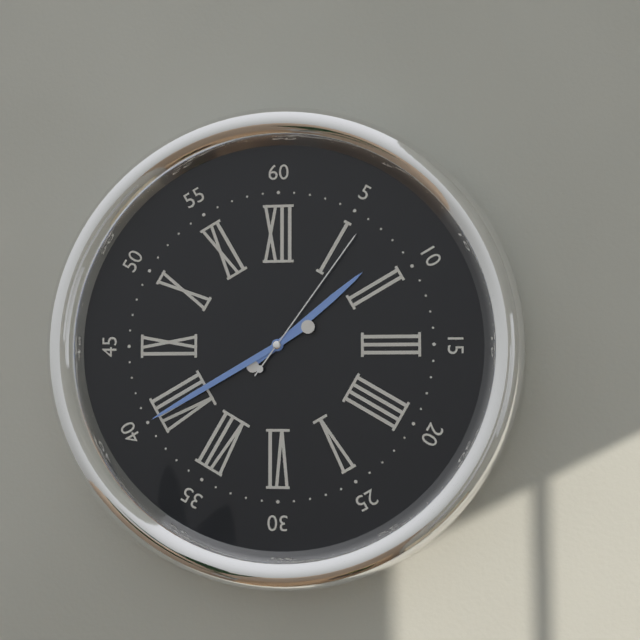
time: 1:40:06
